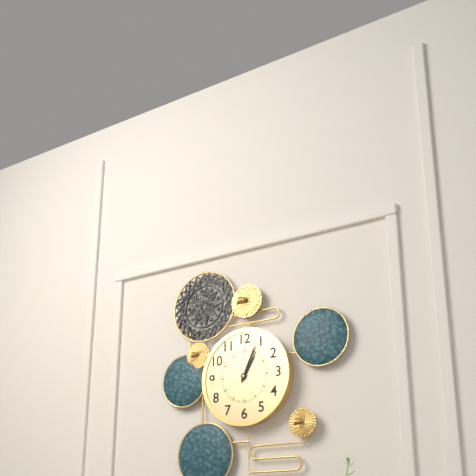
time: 1:04
